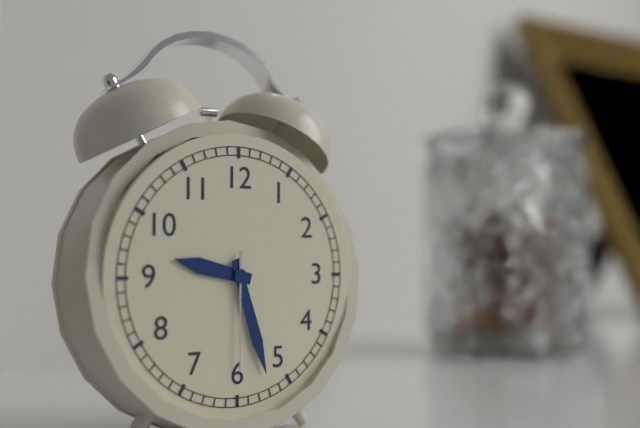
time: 9:27:30
